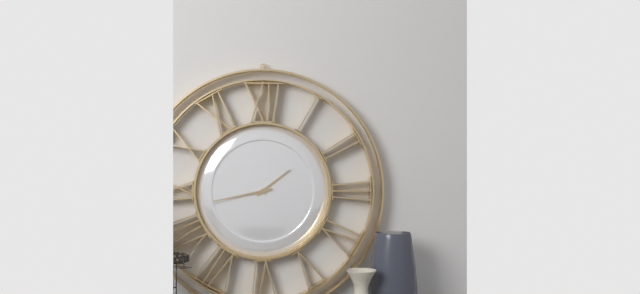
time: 1:43
